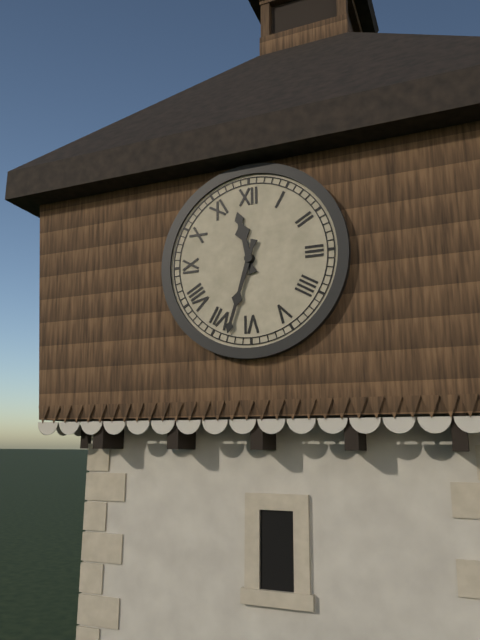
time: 11:33
